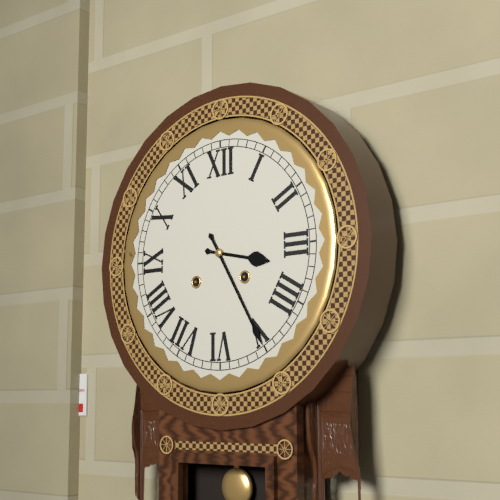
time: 3:25
